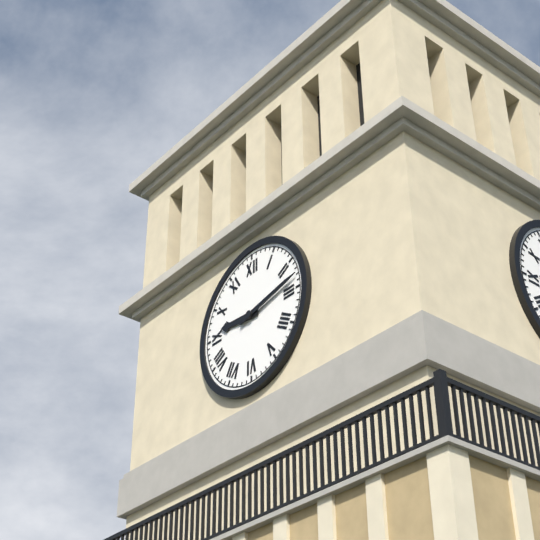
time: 9:13
